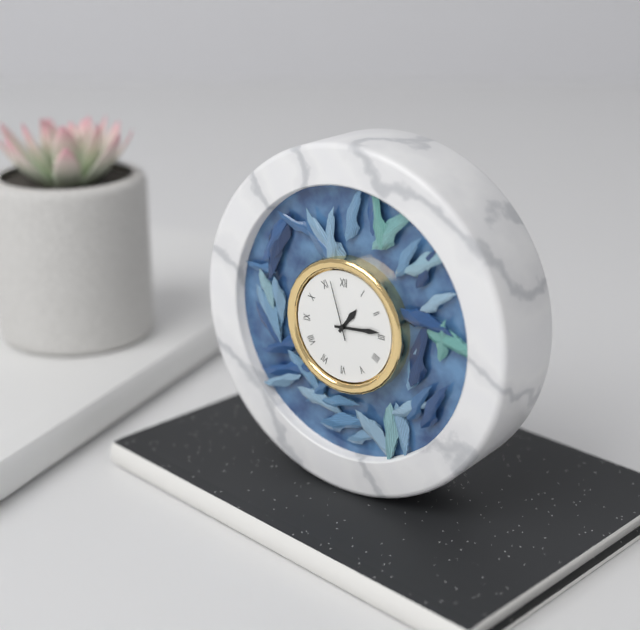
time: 1:14:57
